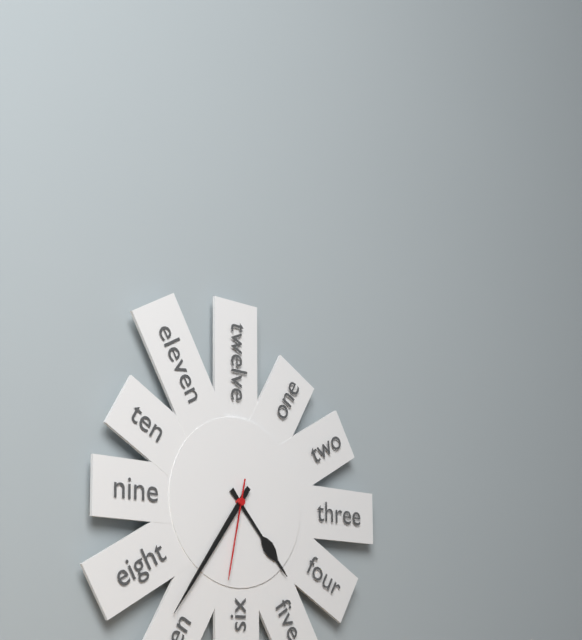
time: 4:36:32
